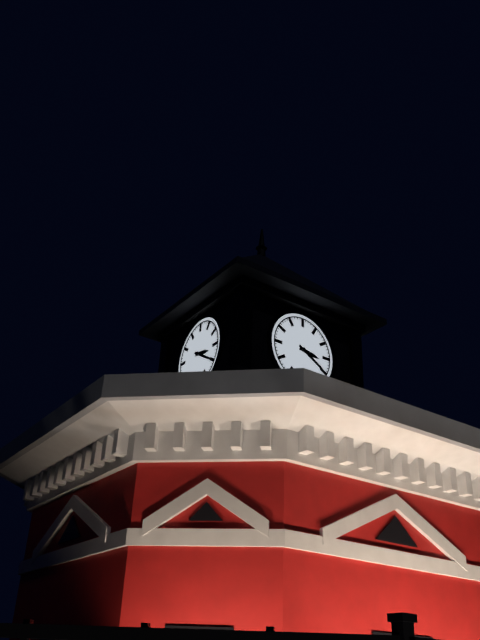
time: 3:20
